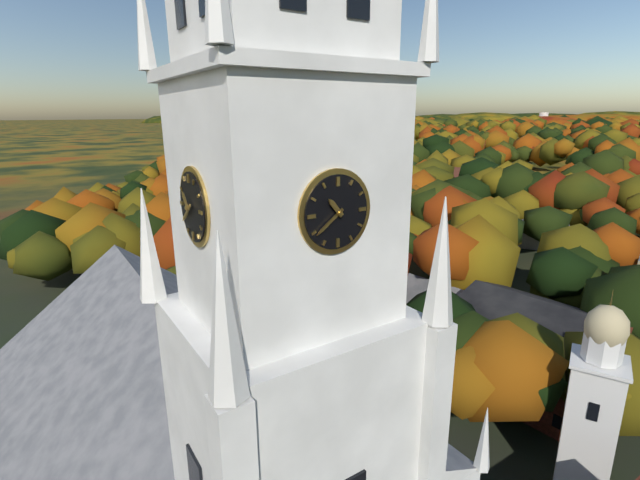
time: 10:39
